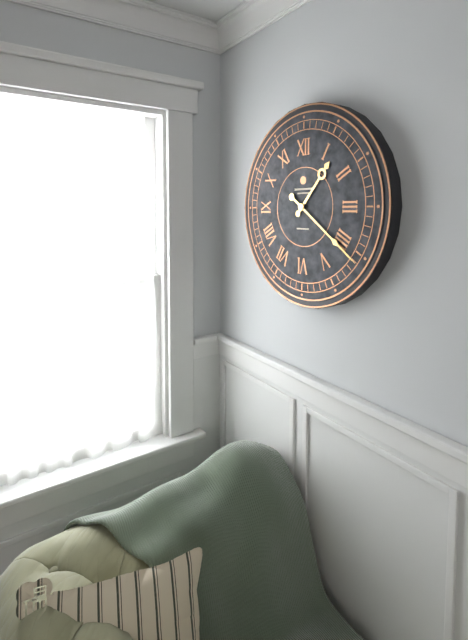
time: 1:21
